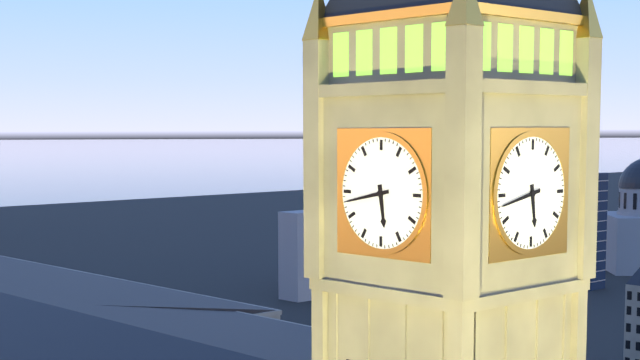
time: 5:43
